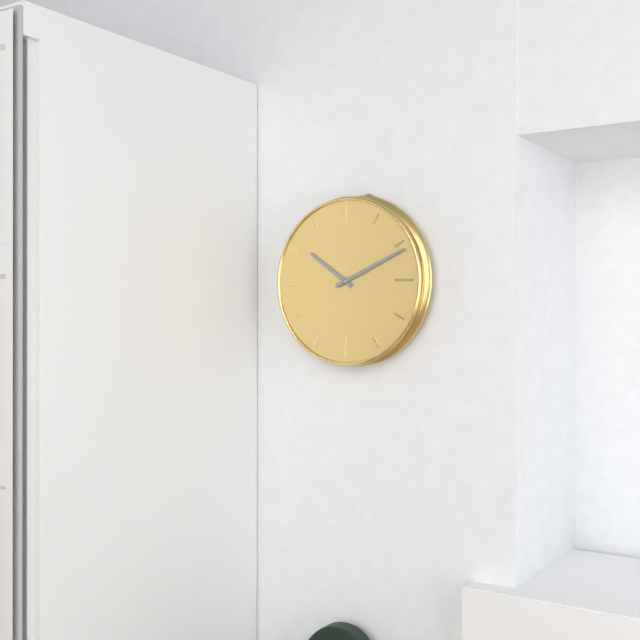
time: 10:11
